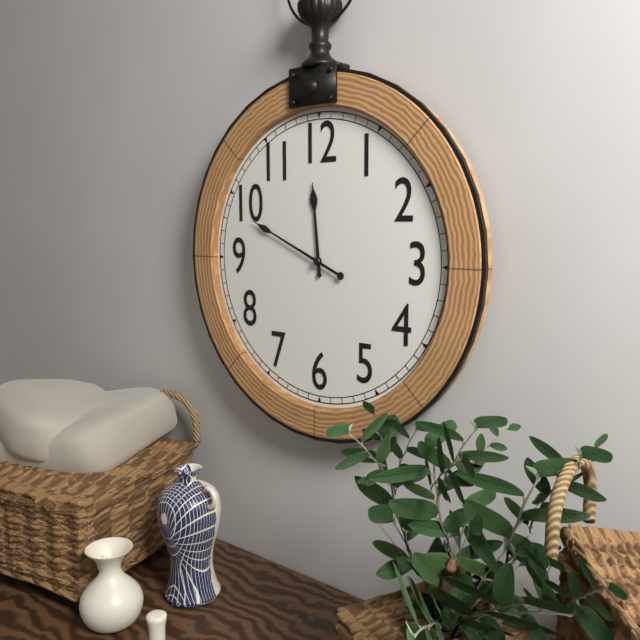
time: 11:49
